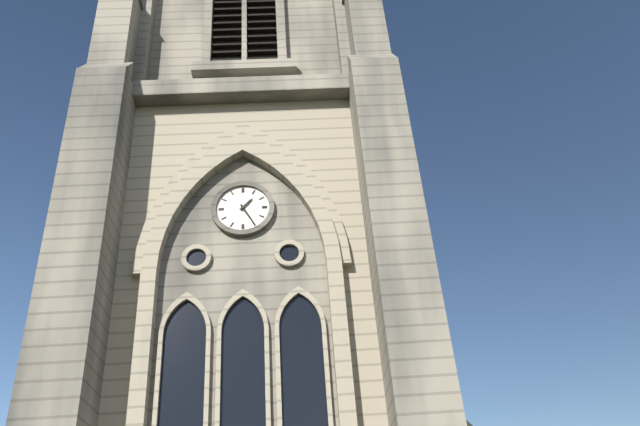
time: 1:25
